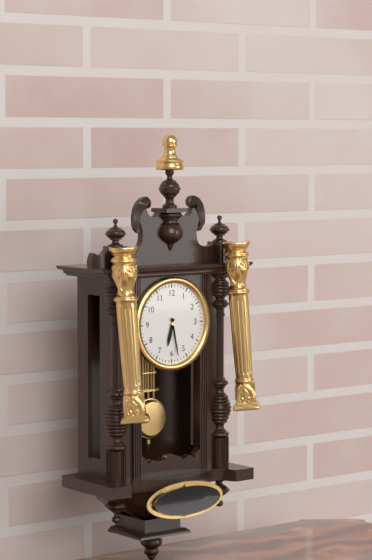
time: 6:28
